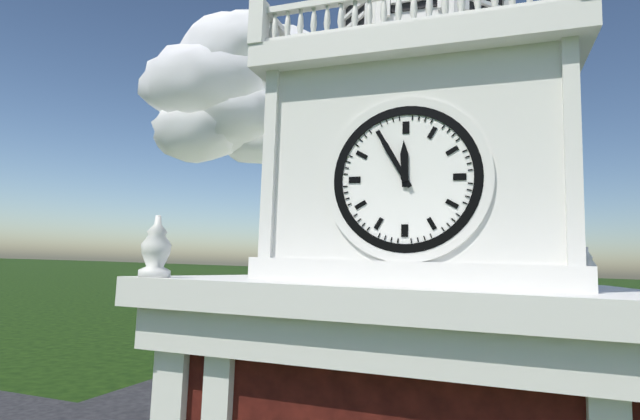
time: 11:55
